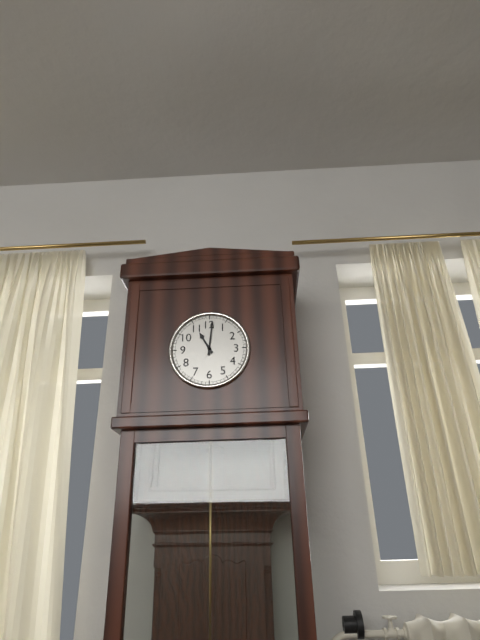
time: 11:01
